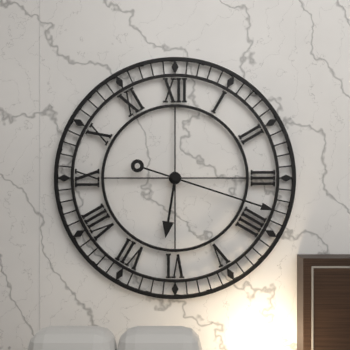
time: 6:18
